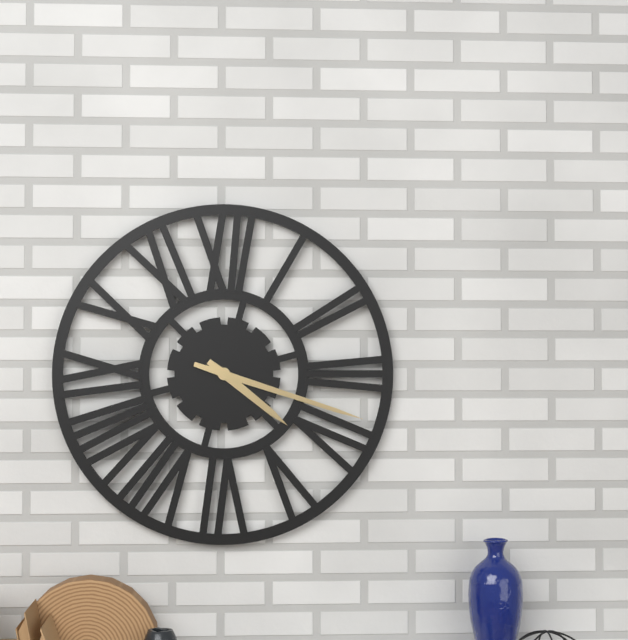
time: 4:18
